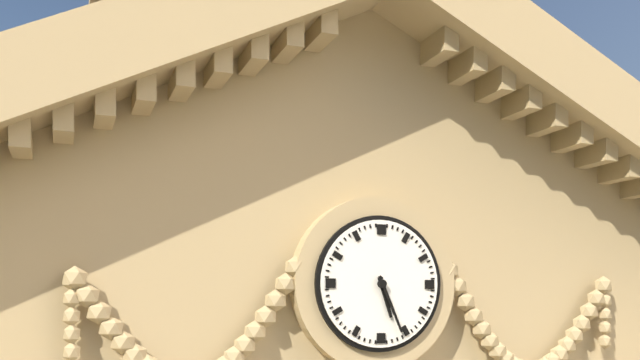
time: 5:26
